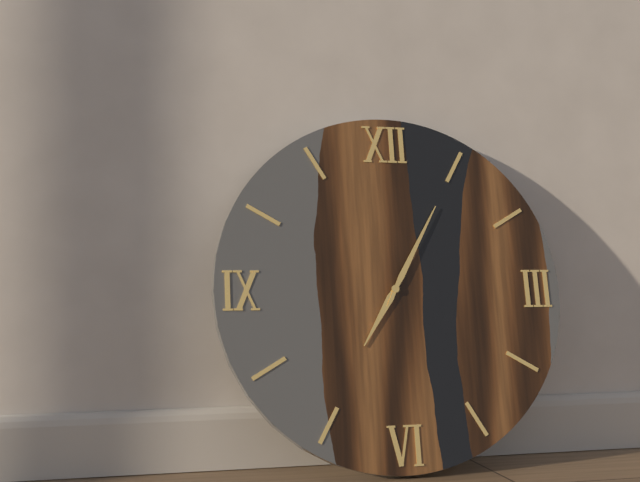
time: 7:05
